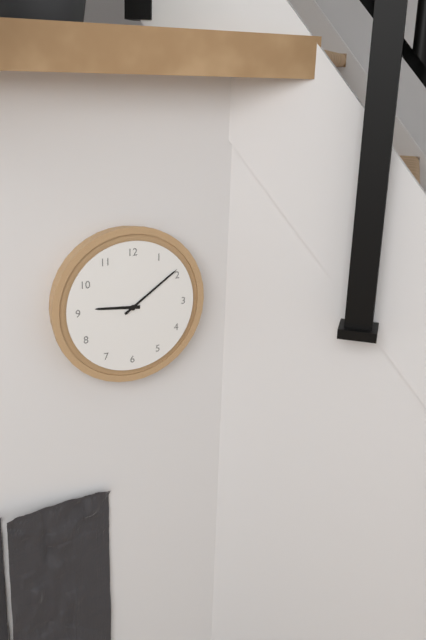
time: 9:09
